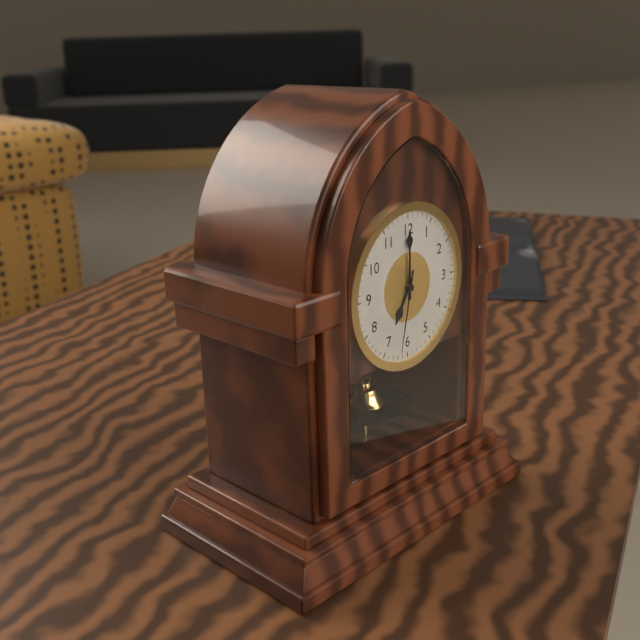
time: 7:00:32
